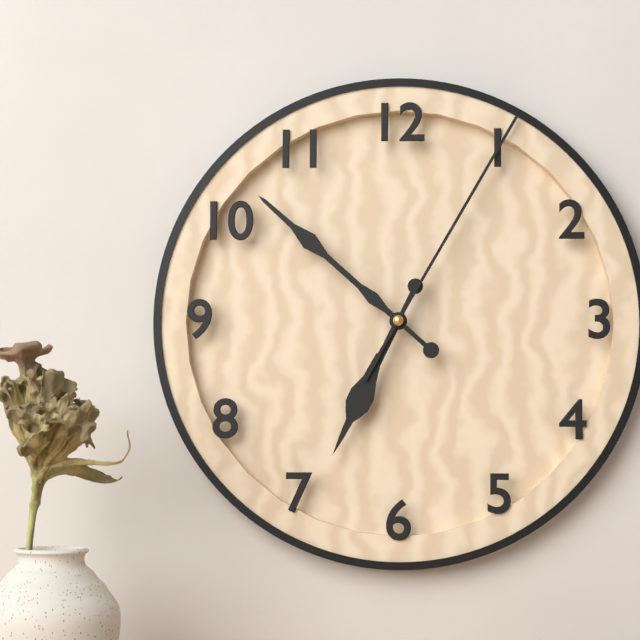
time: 6:52:05
